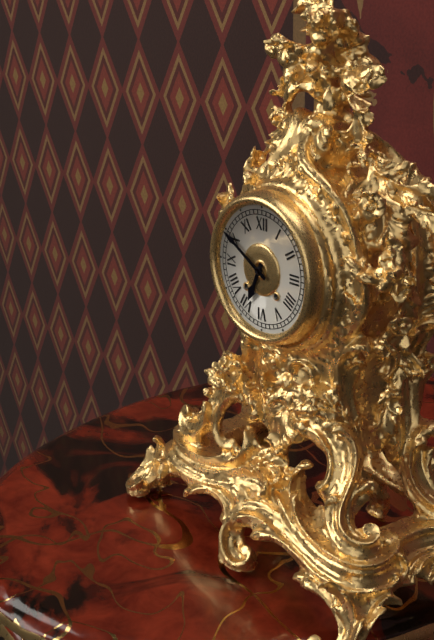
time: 6:50
